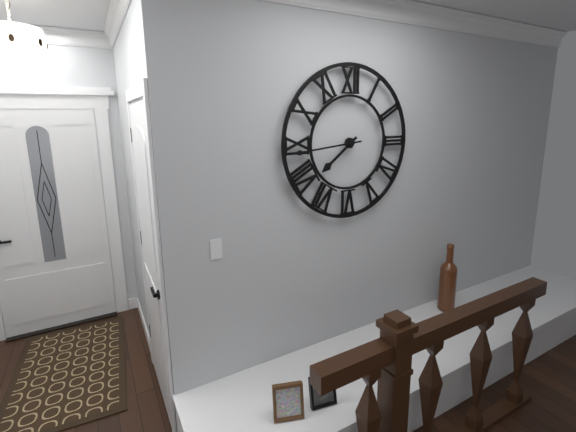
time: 7:44
